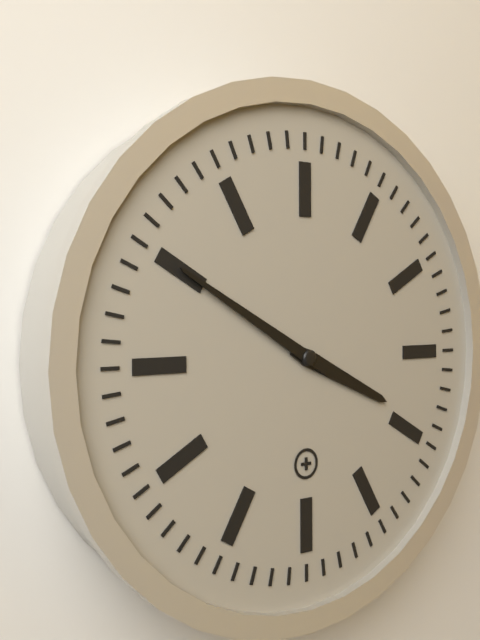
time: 3:50
